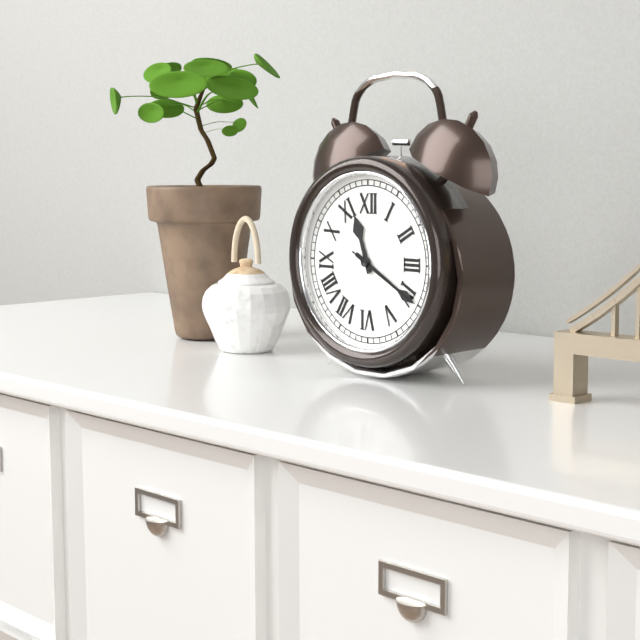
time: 11:20:20
